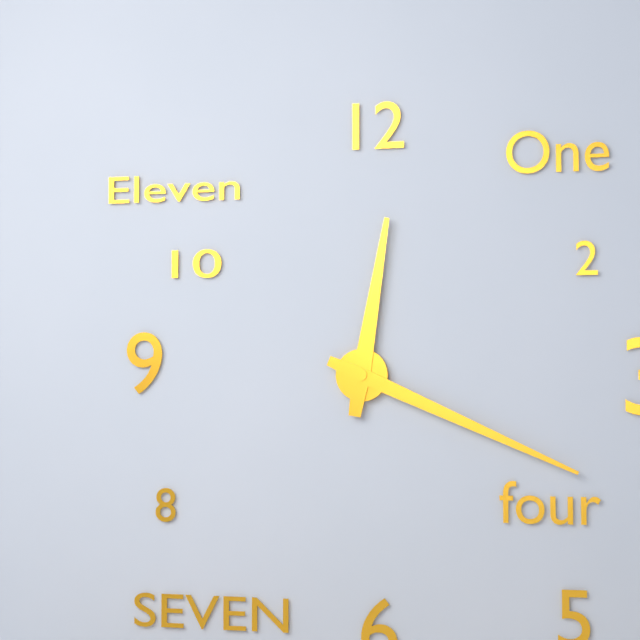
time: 12:19
